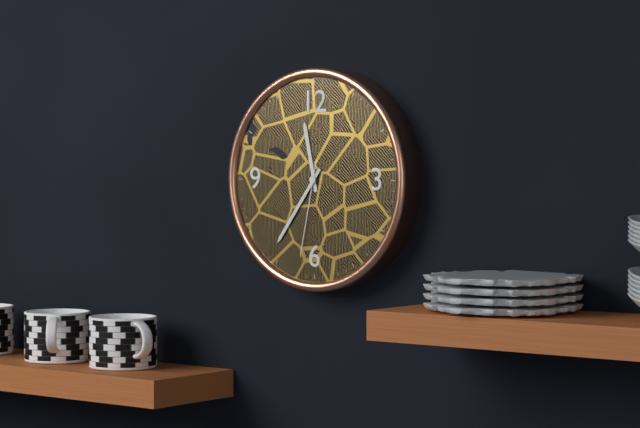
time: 11:36:32
